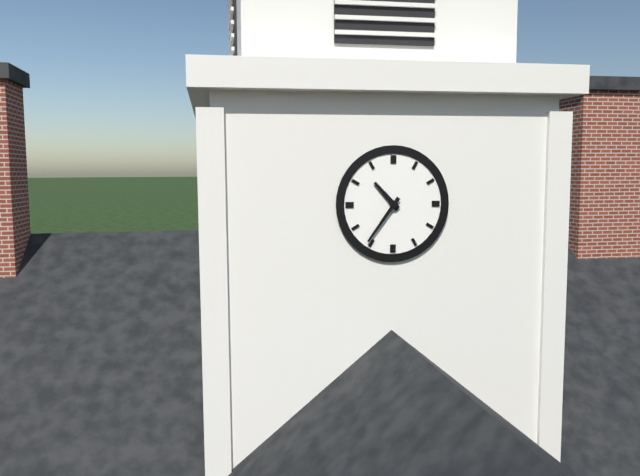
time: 10:36
